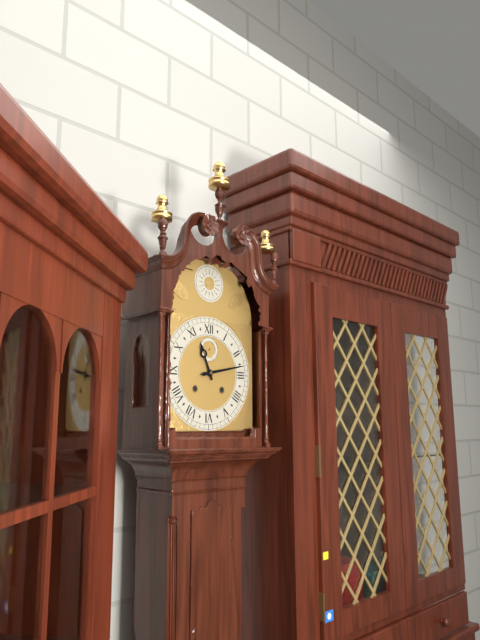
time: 11:13
